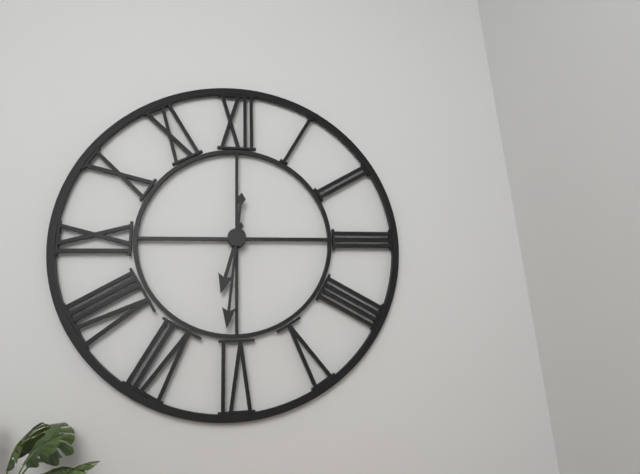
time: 6:31
